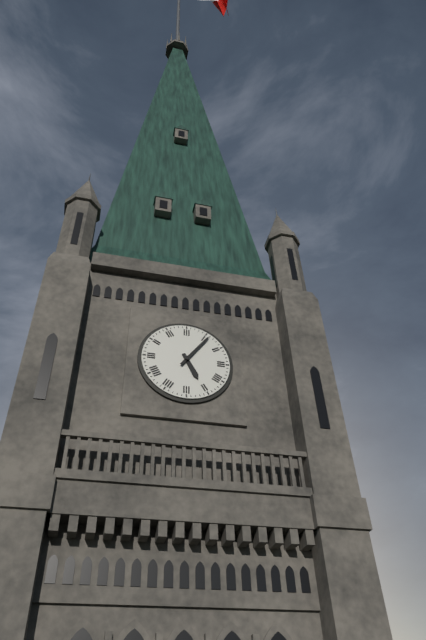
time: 5:06
